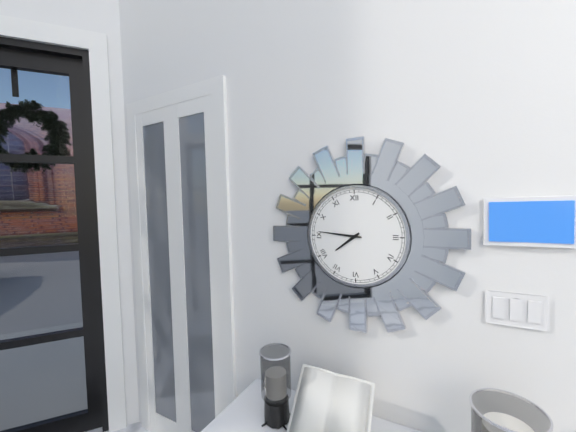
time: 7:46
